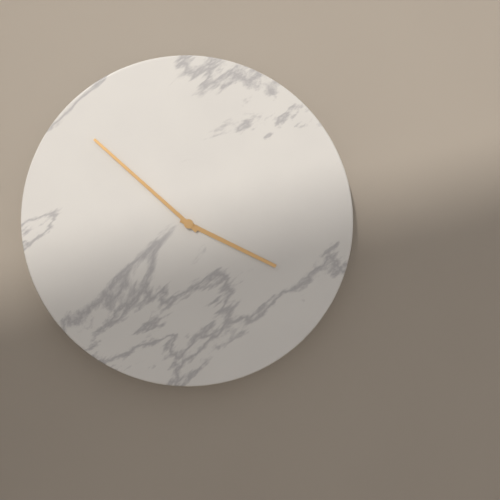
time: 3:52
